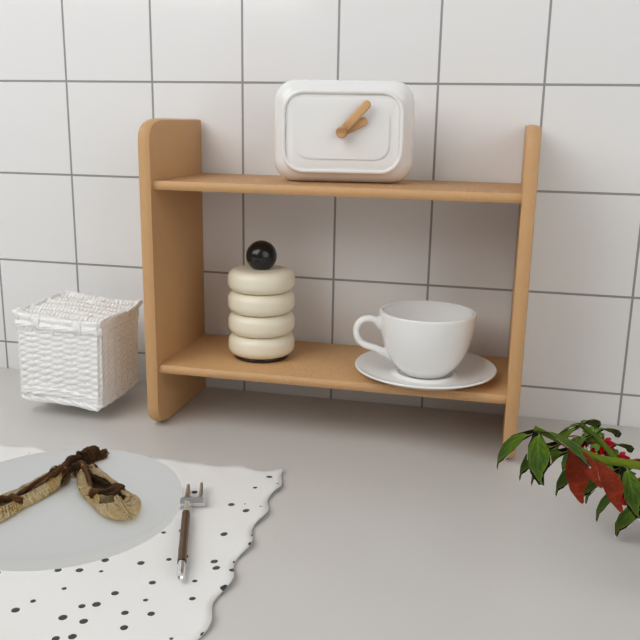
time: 2:07
